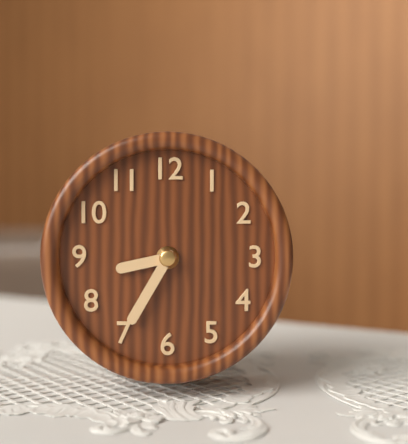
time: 8:35
